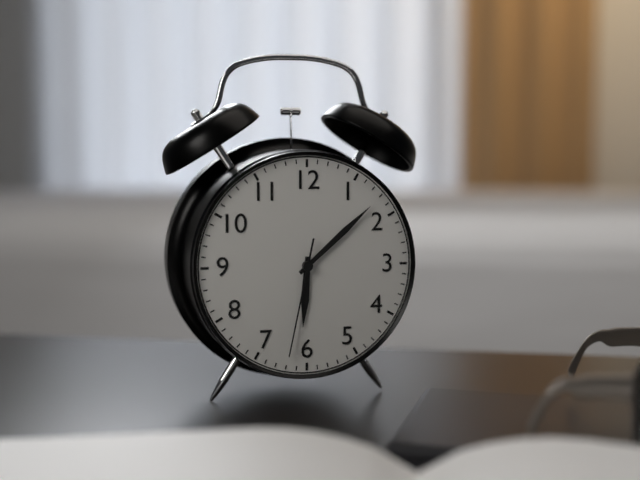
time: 6:08:32
